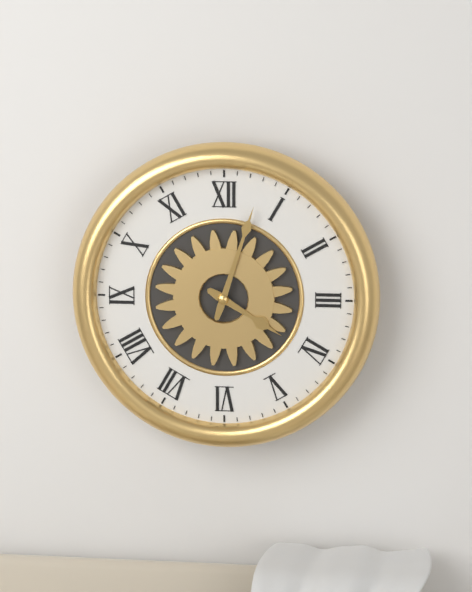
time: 4:03
